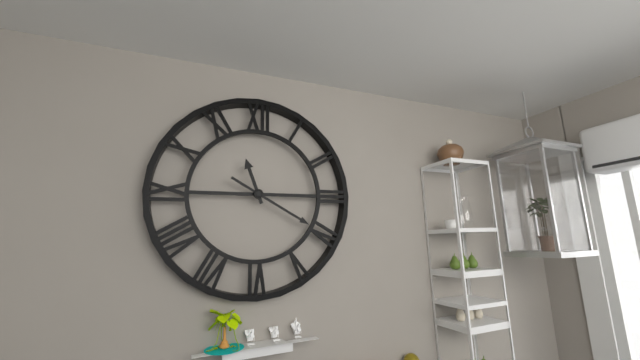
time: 11:20
